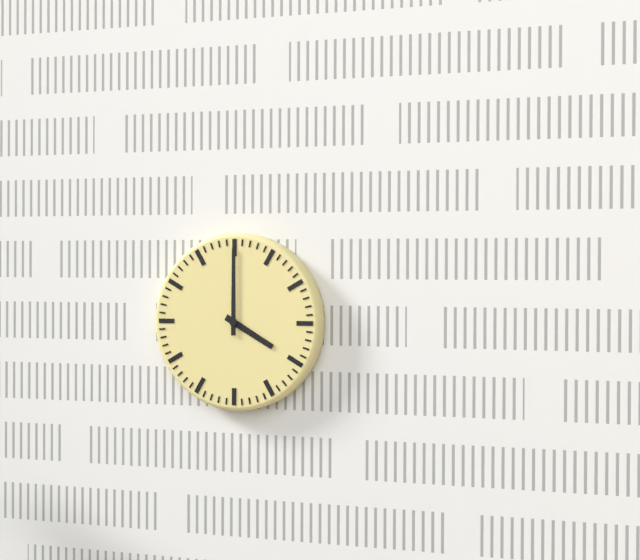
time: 4:00
